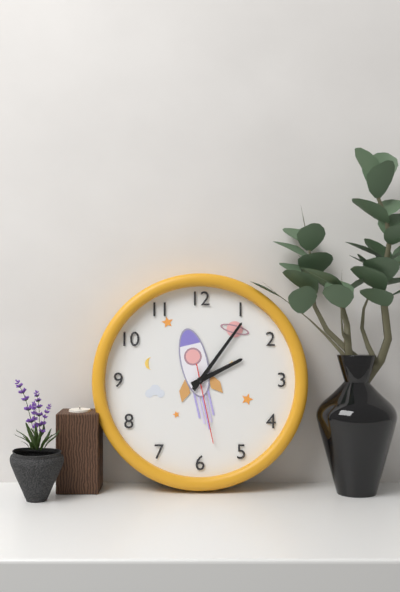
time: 2:06:28
